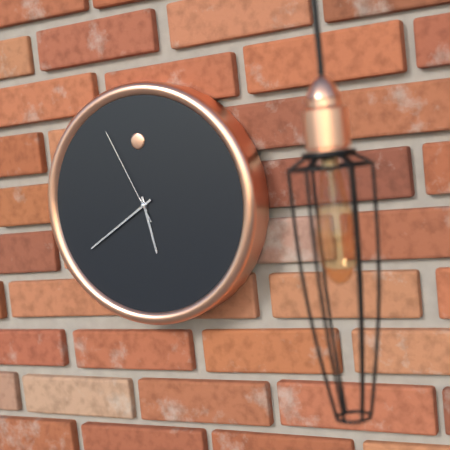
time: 5:40:56
